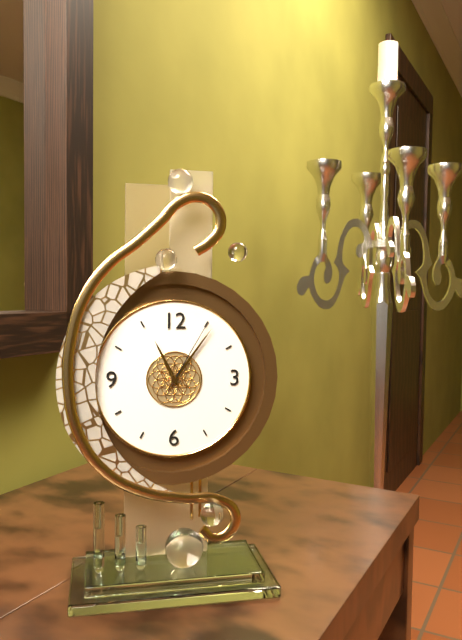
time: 11:06:05
